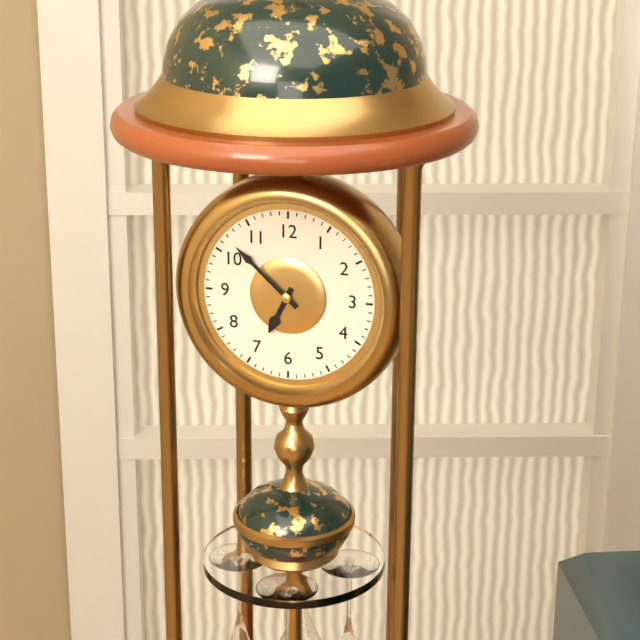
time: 6:52
